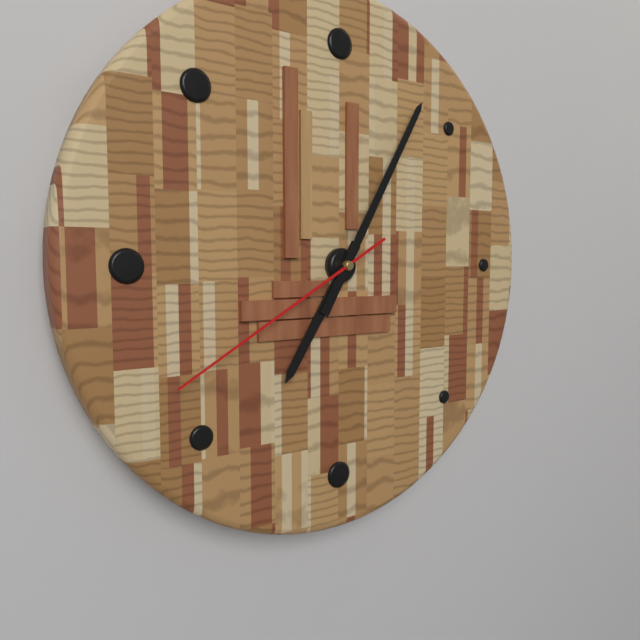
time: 7:05:40
